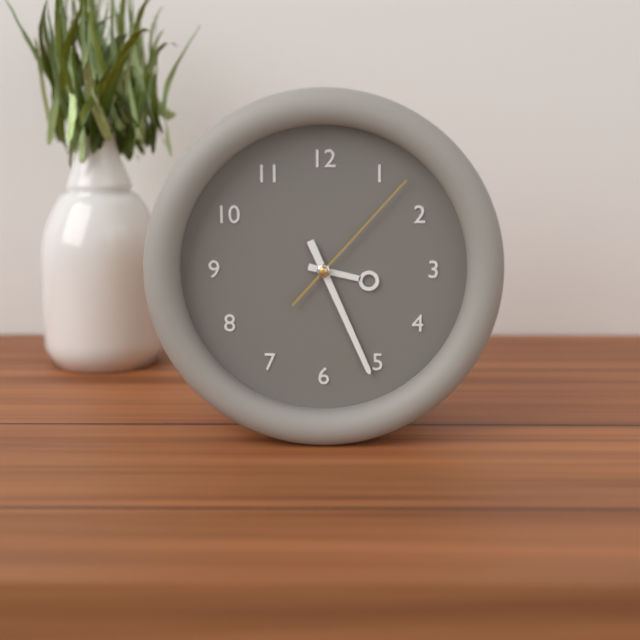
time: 3:26:07
